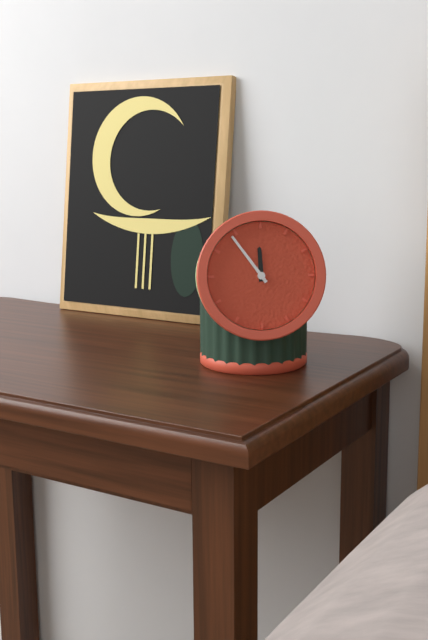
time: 11:54
